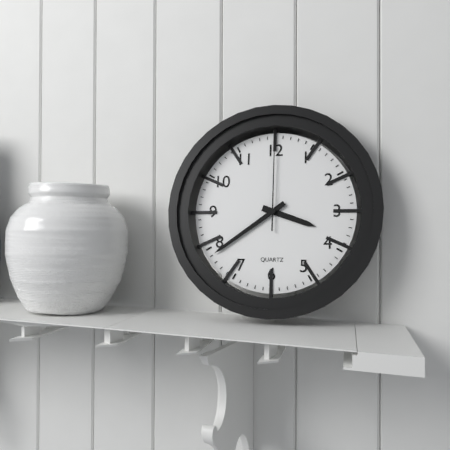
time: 3:39:00
